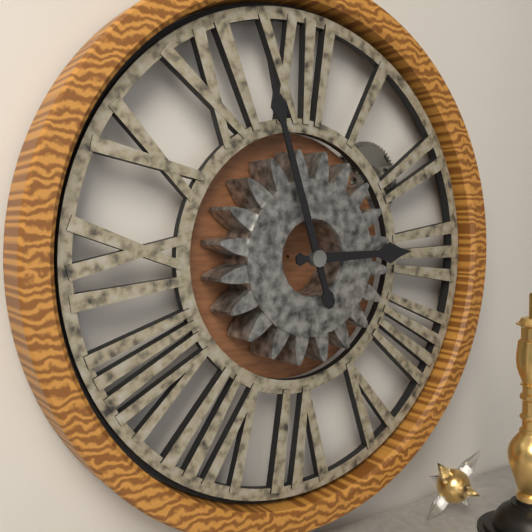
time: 2:57
